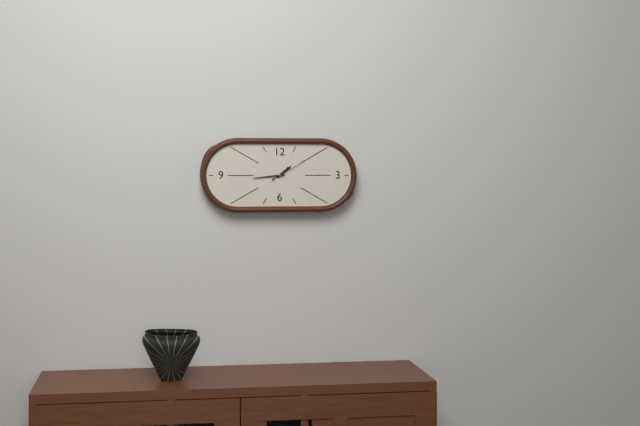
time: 1:44
